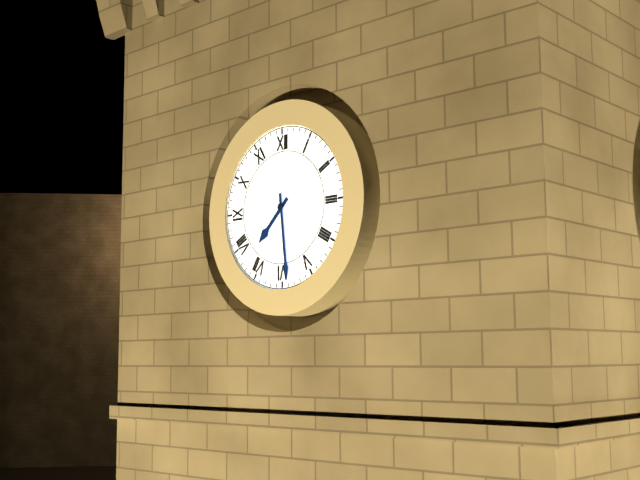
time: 7:29
